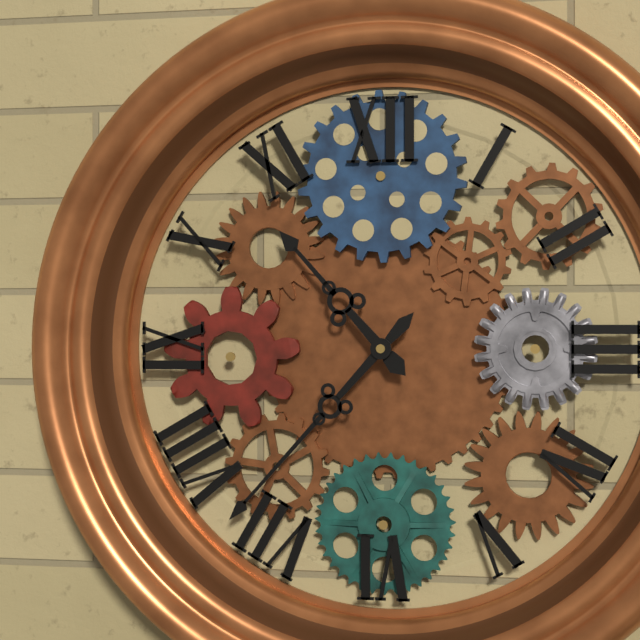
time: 10:37
